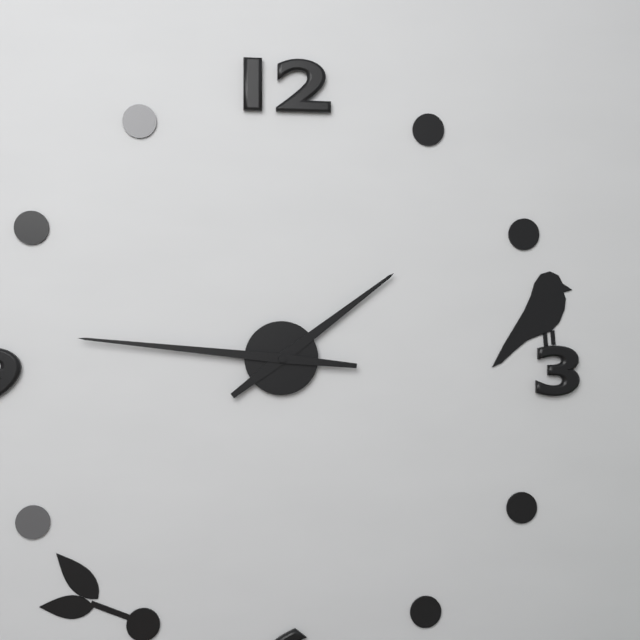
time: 1:46
